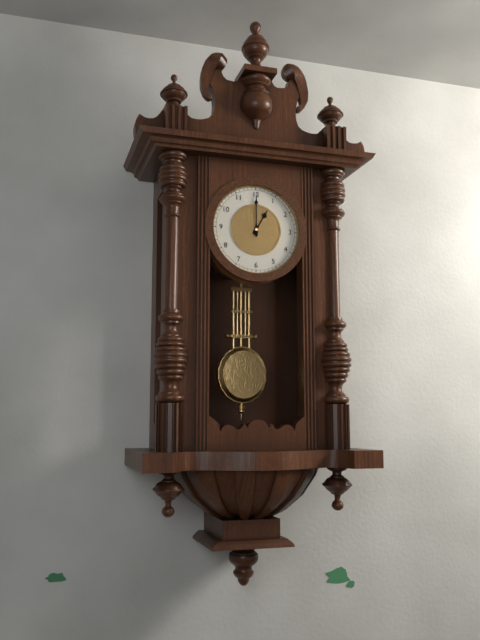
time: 1:00
